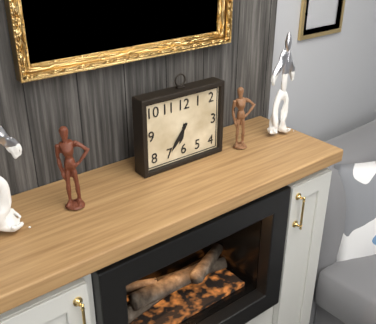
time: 6:36
